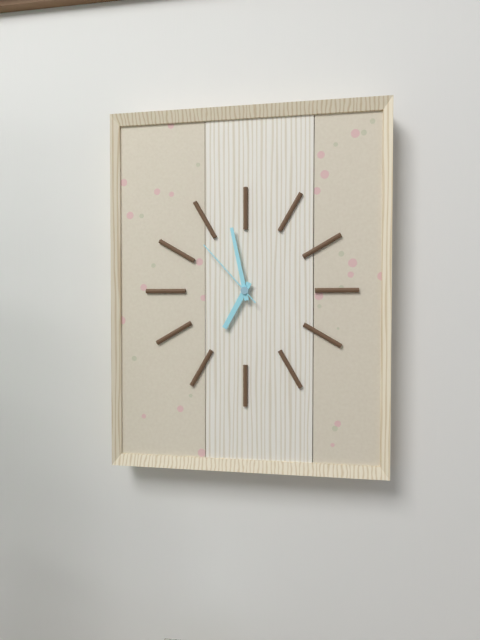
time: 6:58:53
